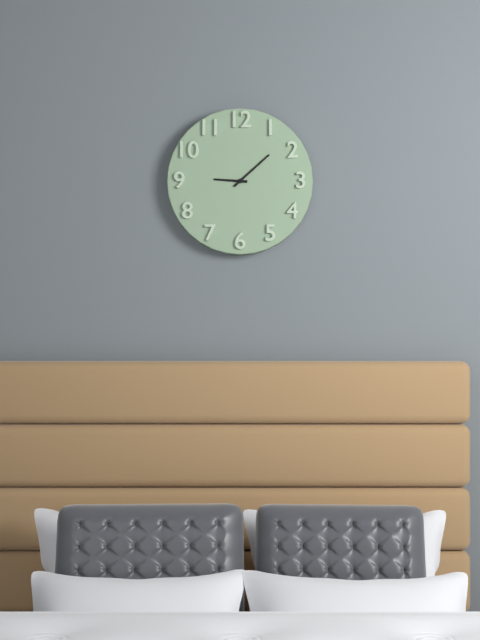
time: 9:08
